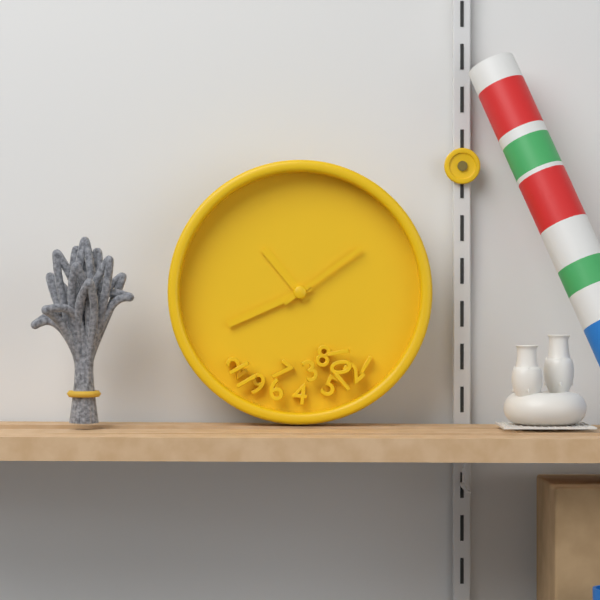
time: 10:41:09
